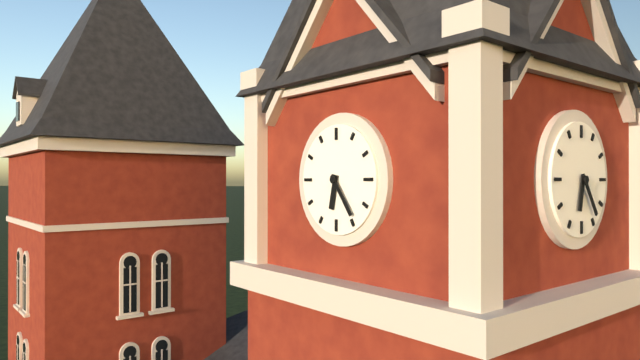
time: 6:24
